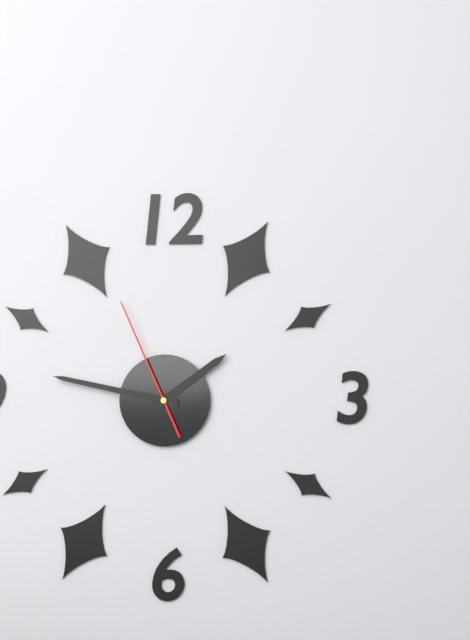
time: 1:47:56
